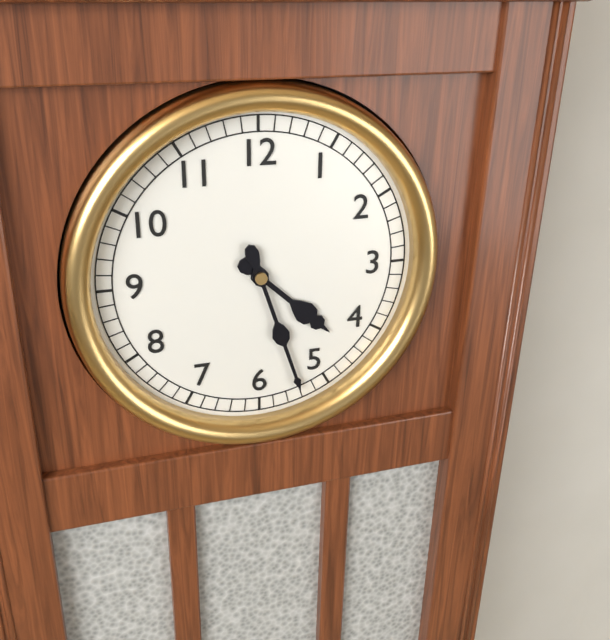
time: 4:27
